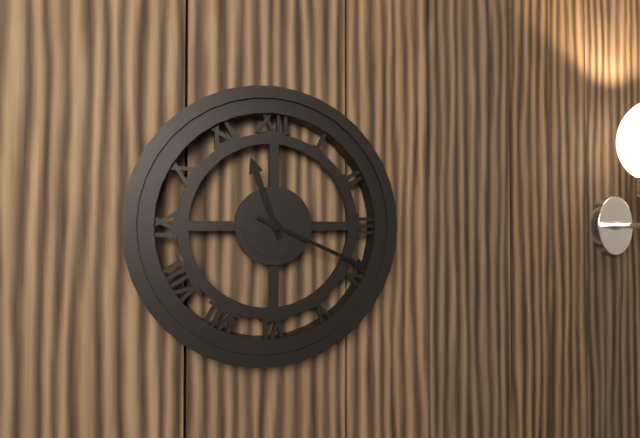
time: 11:19
